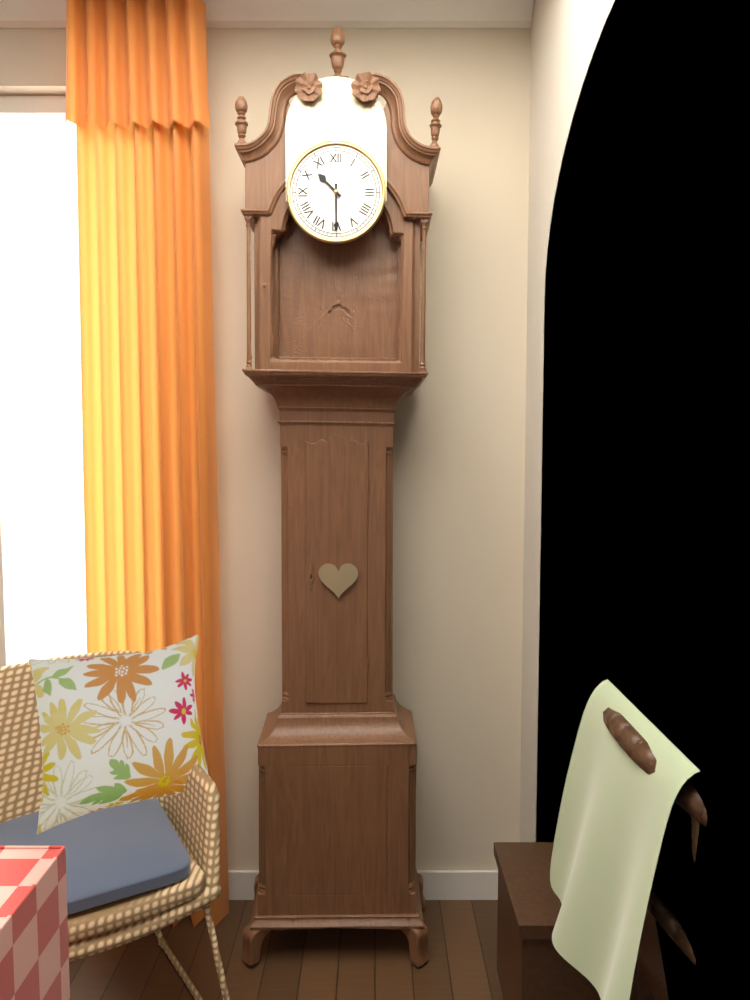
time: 10:30
